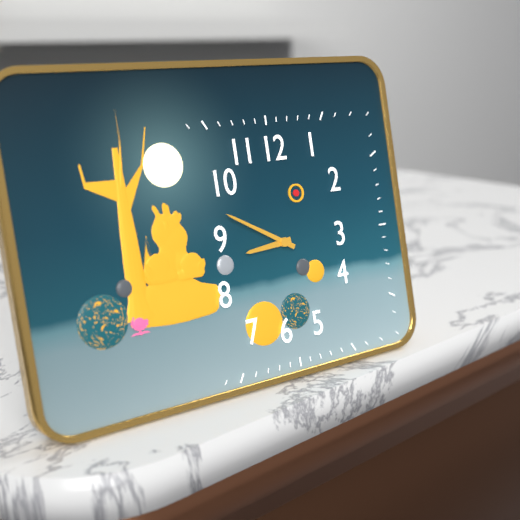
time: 8:50
